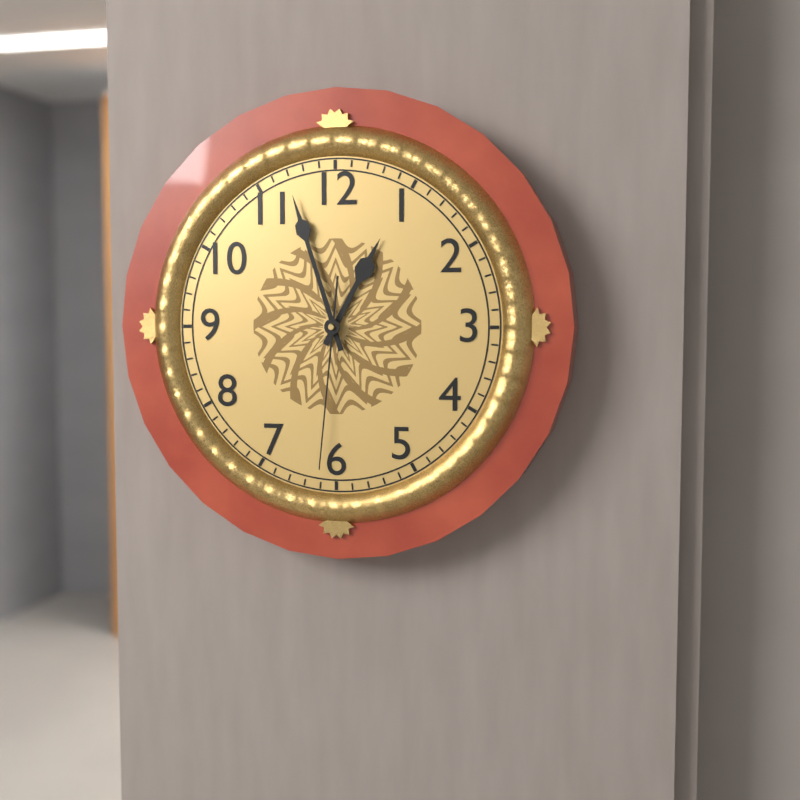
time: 12:57:31
